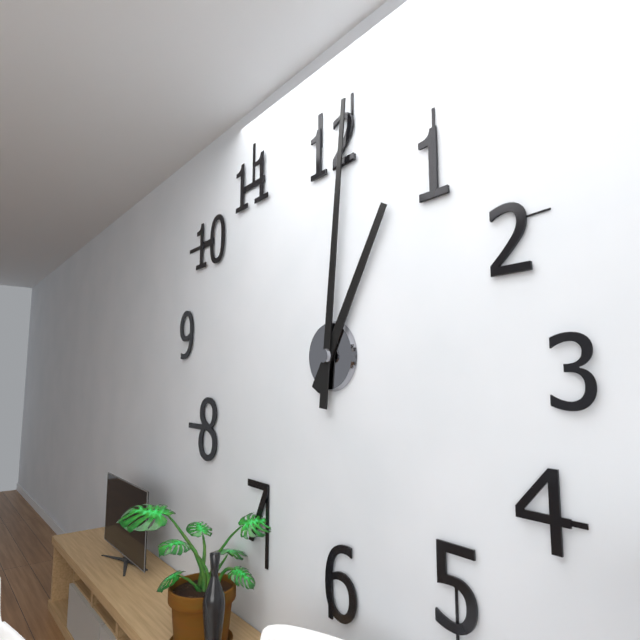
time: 1:01
